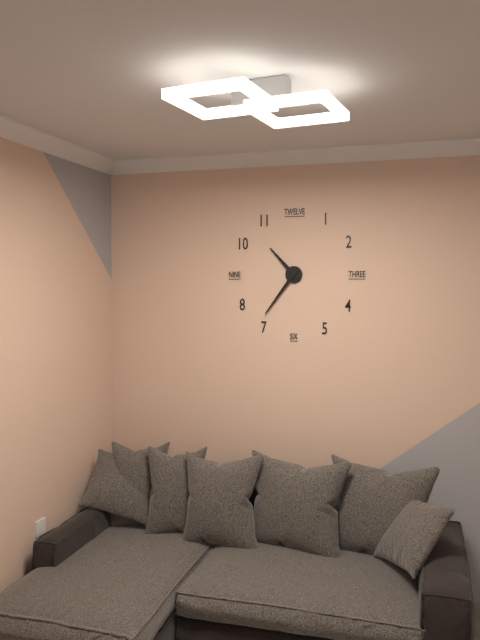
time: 10:36
